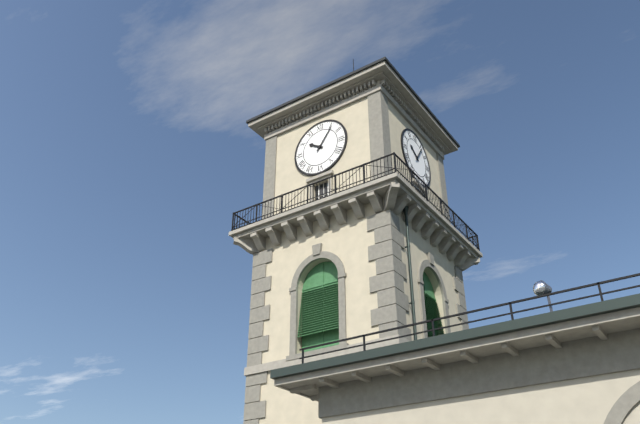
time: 10:06
